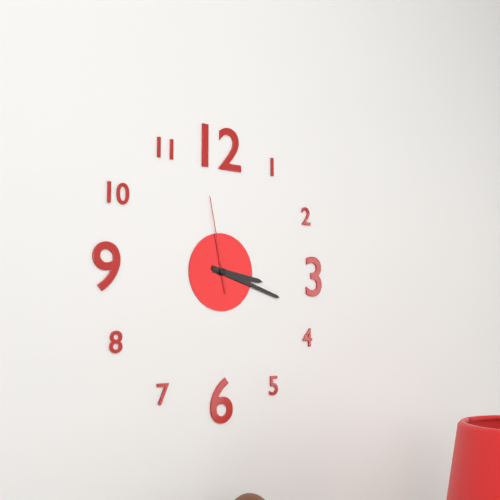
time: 3:18:58
